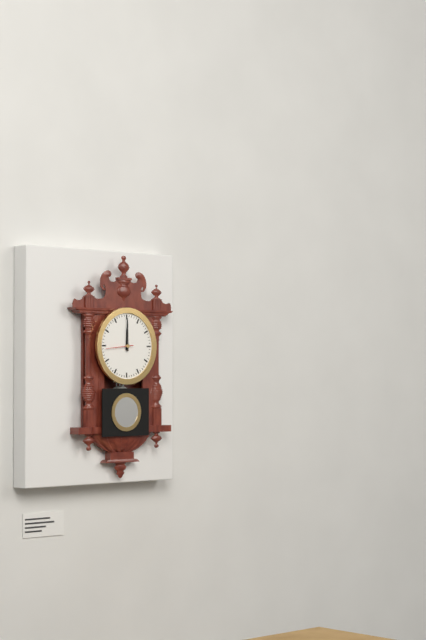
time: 12:00
